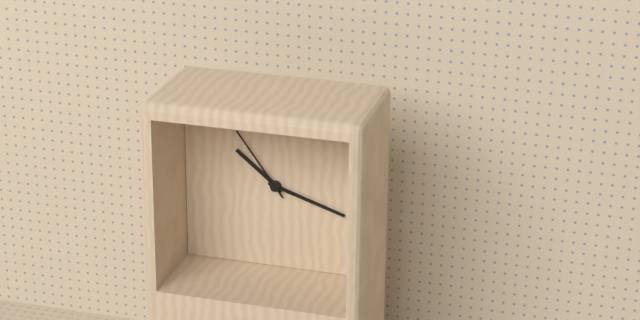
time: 10:18:54
